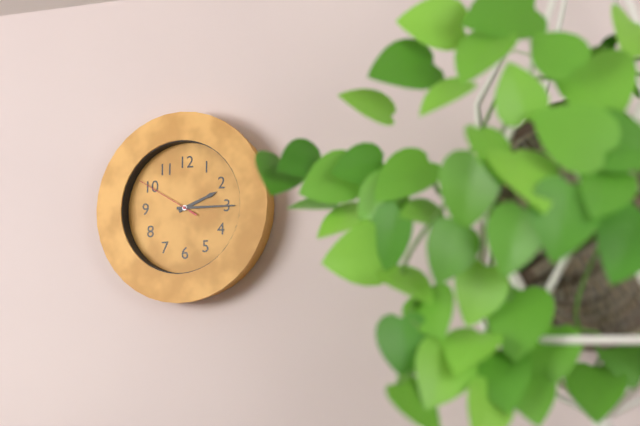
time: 2:15:50
